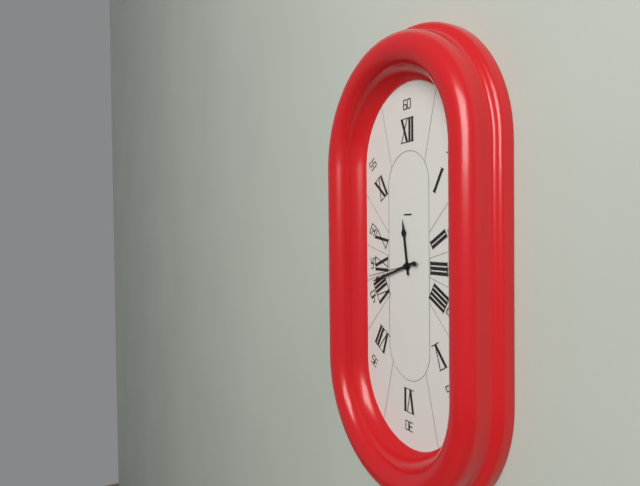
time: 11:42
